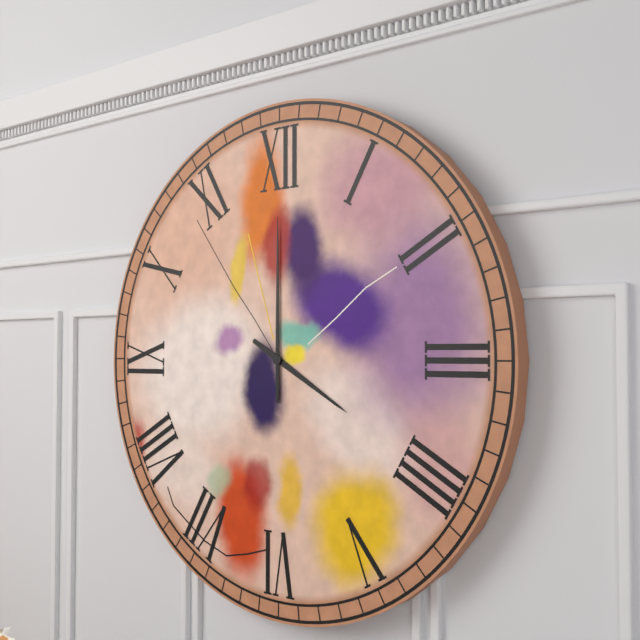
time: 4:00
